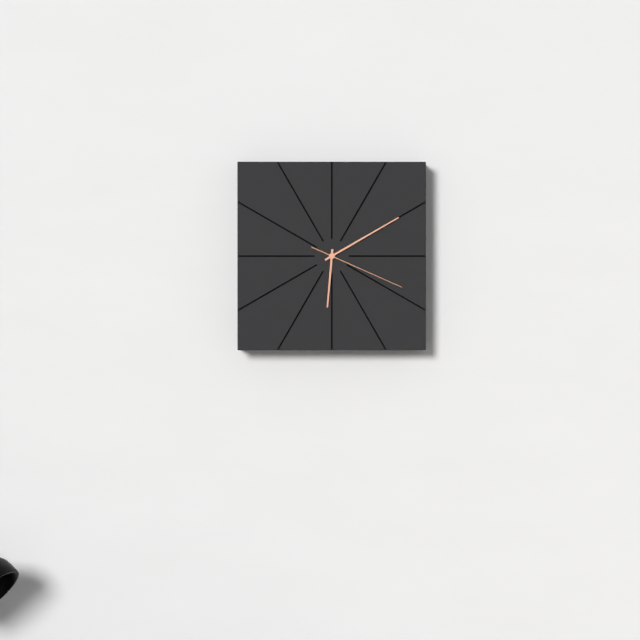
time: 6:10:19
